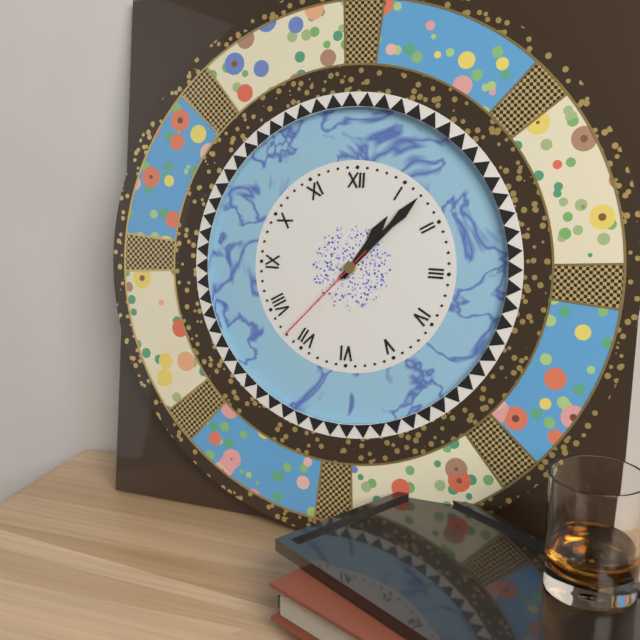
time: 1:07:37
